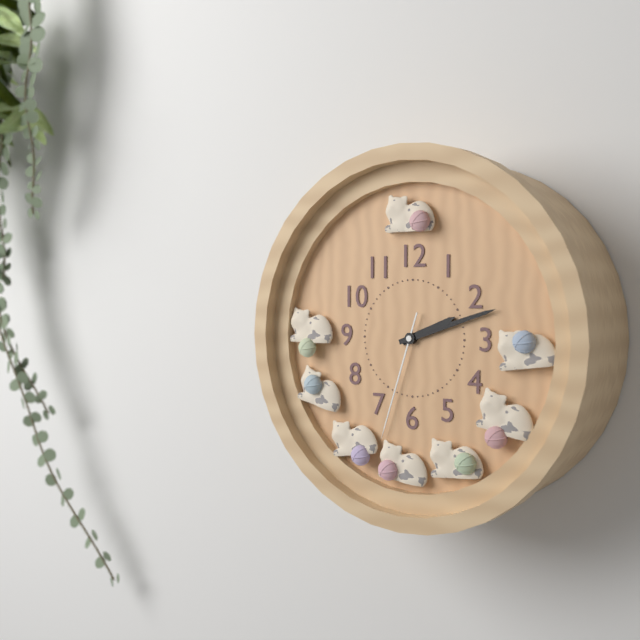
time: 2:12:33
